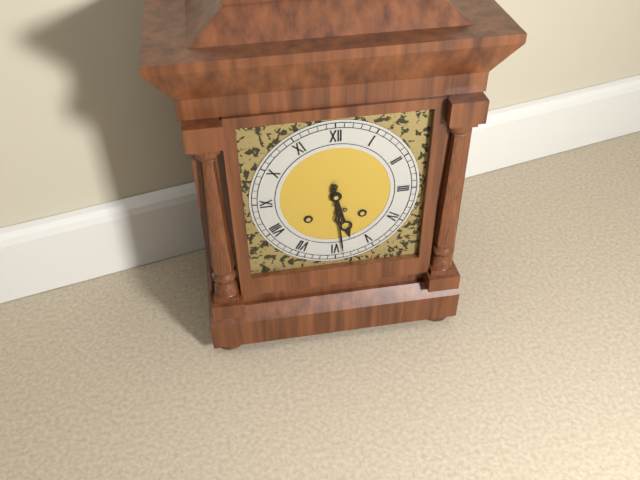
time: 5:29
